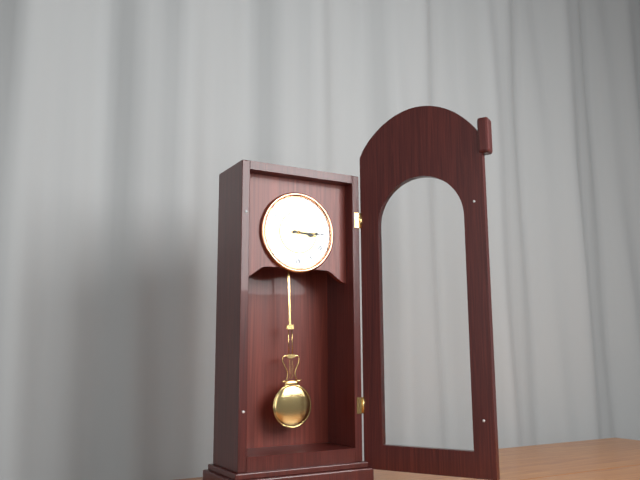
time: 3:15
